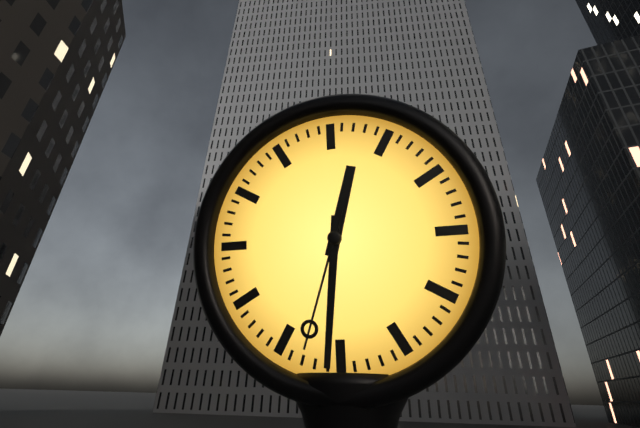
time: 12:31:33
